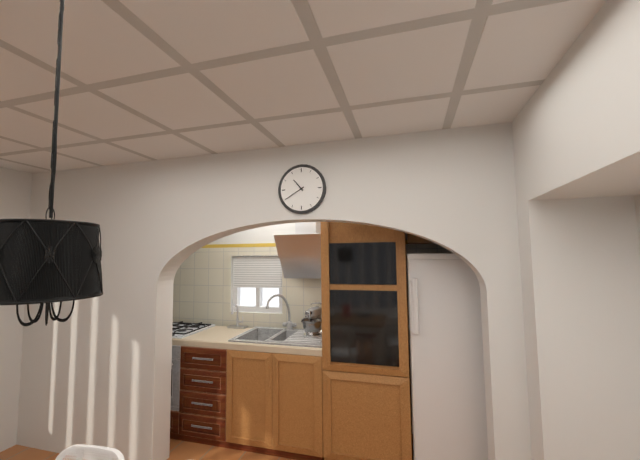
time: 10:40
